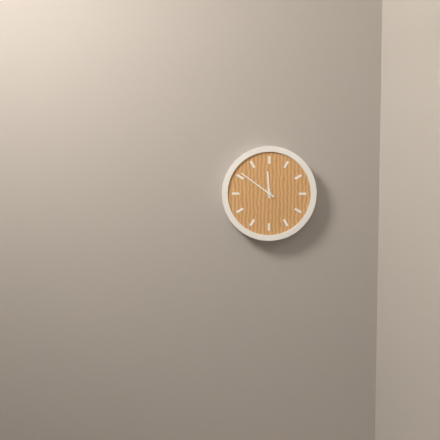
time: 11:51
